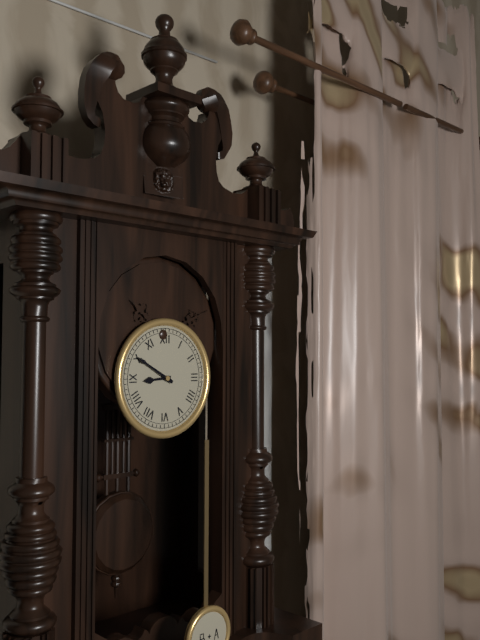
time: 8:50
